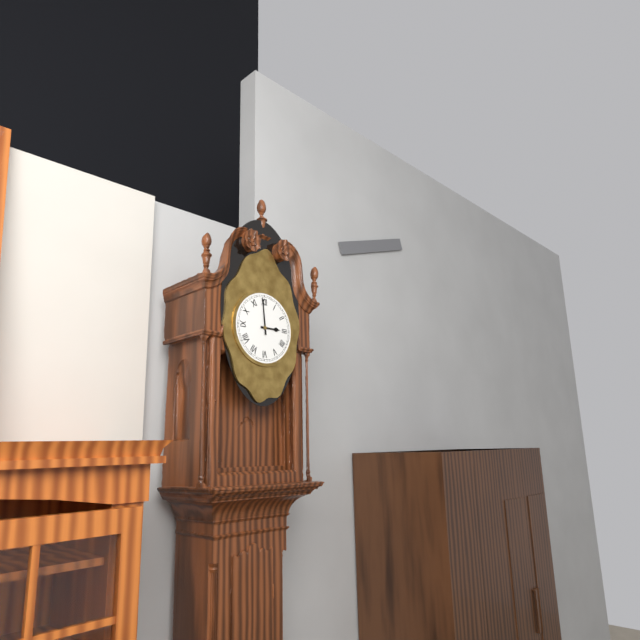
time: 2:59
